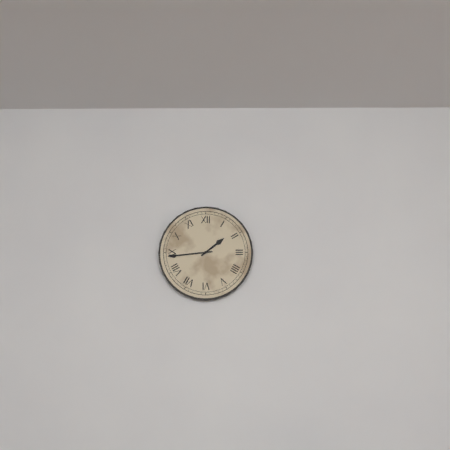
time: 1:44
